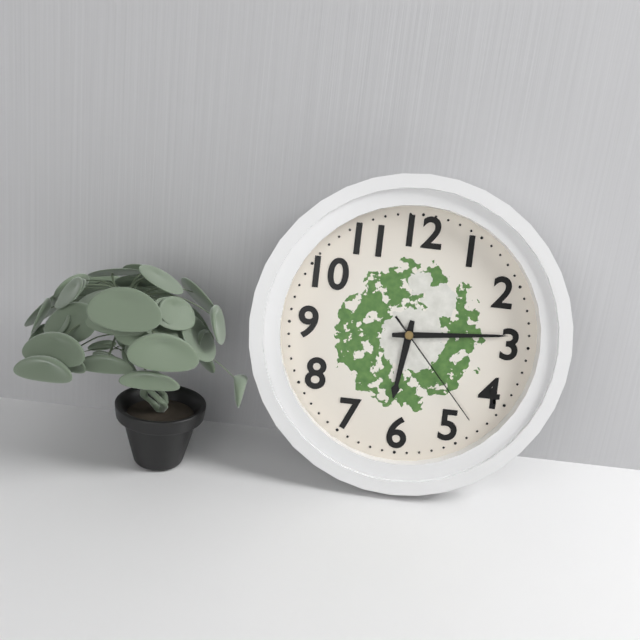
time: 6:14:23
